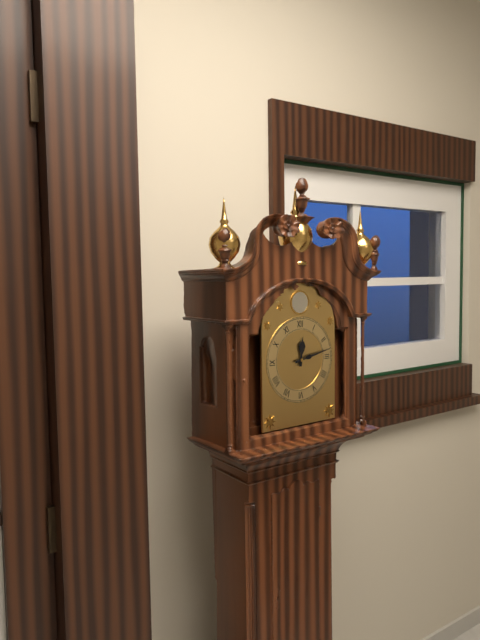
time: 12:13
